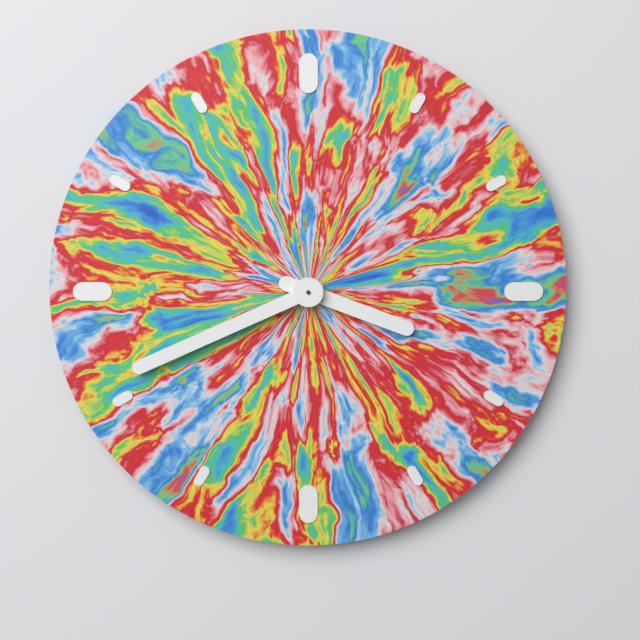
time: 3:41
